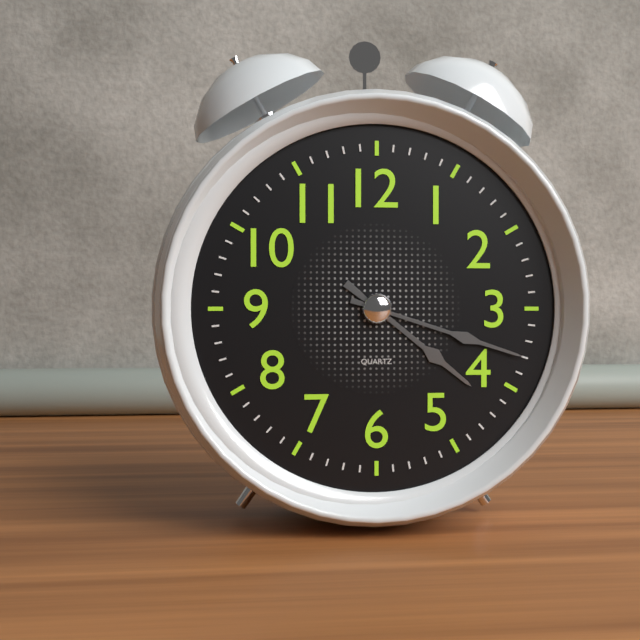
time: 4:18
